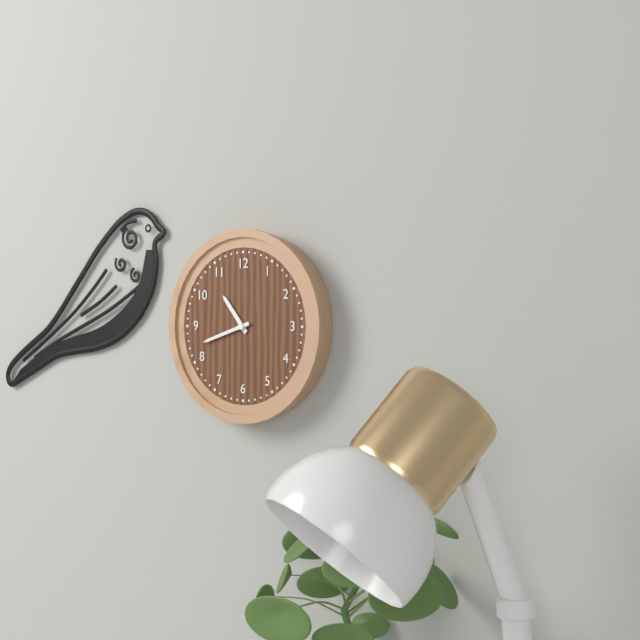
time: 10:42
